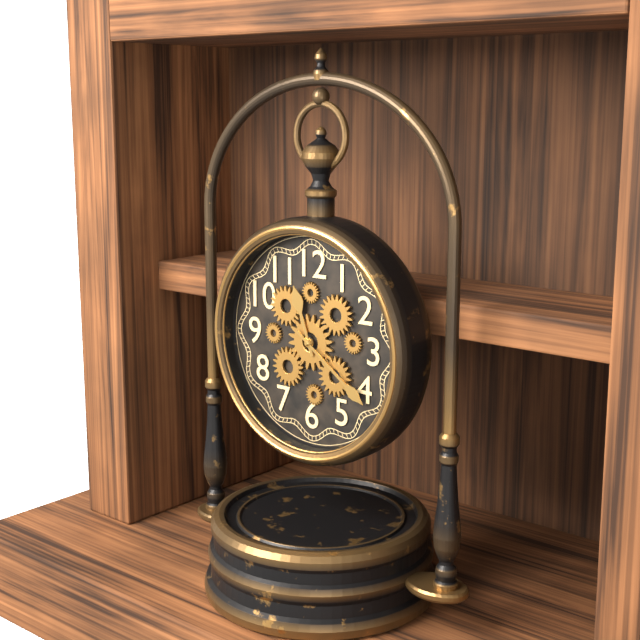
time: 11:21
